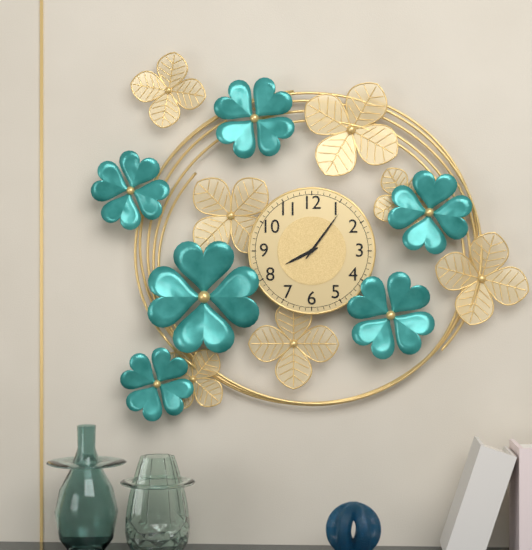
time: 8:06
